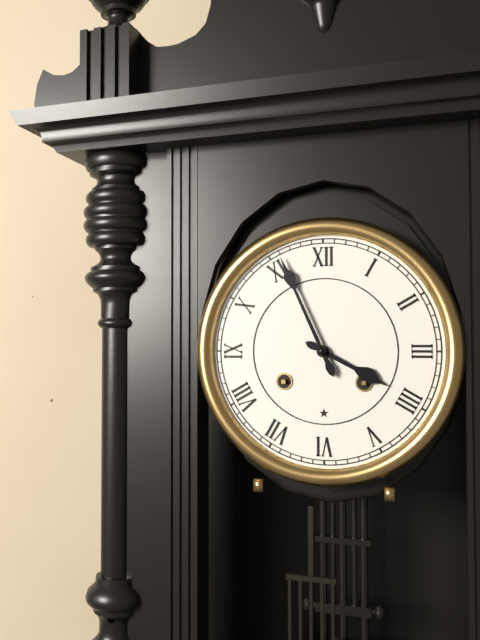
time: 3:56
